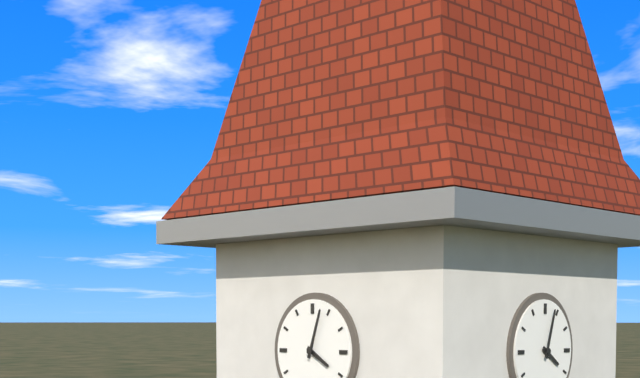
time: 4:03
